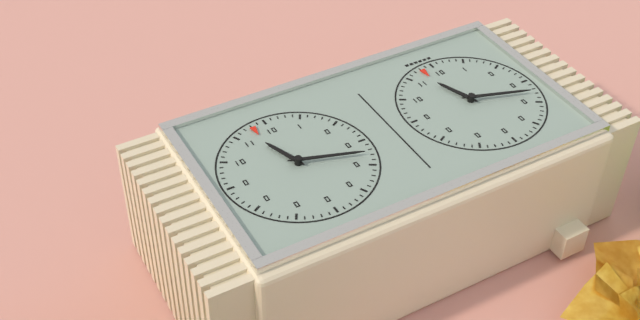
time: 11:18
